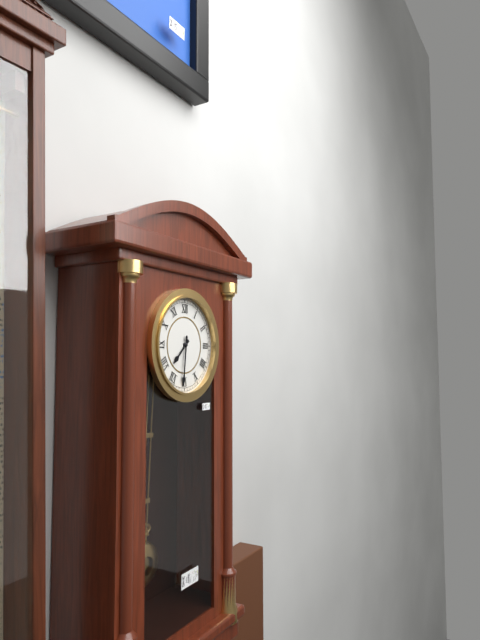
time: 7:31
